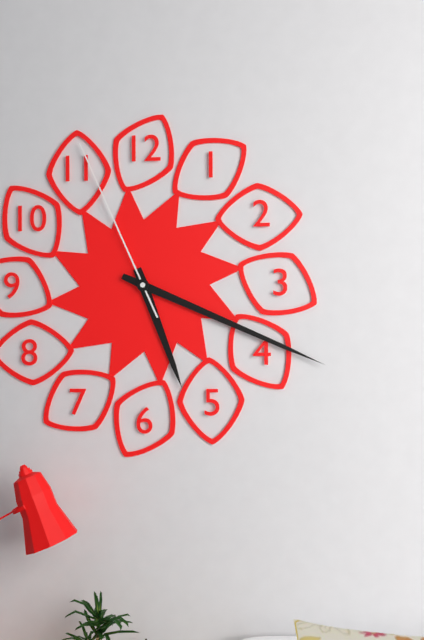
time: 5:19:56
